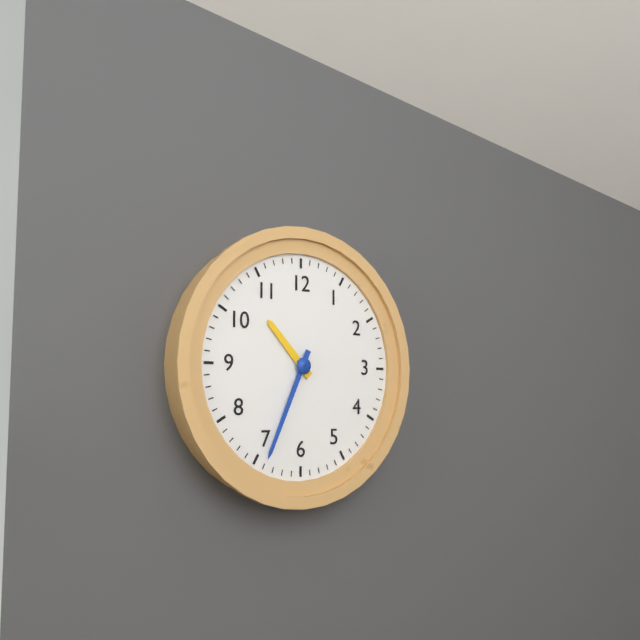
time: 10:34
